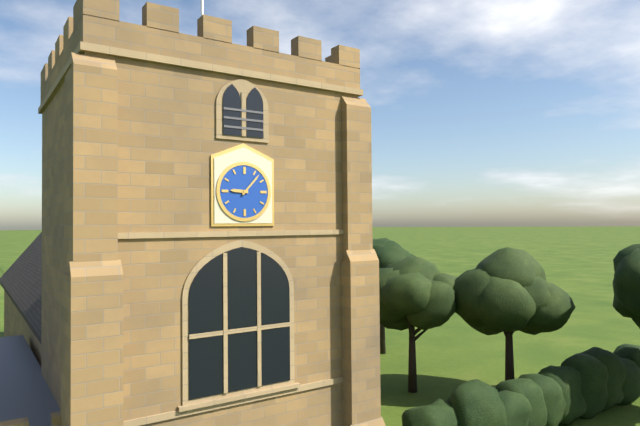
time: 9:07
